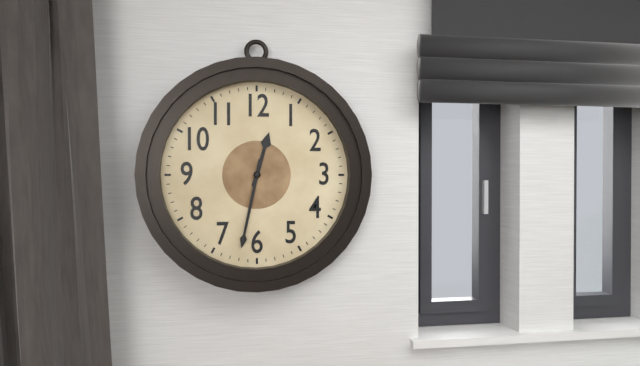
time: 12:32
